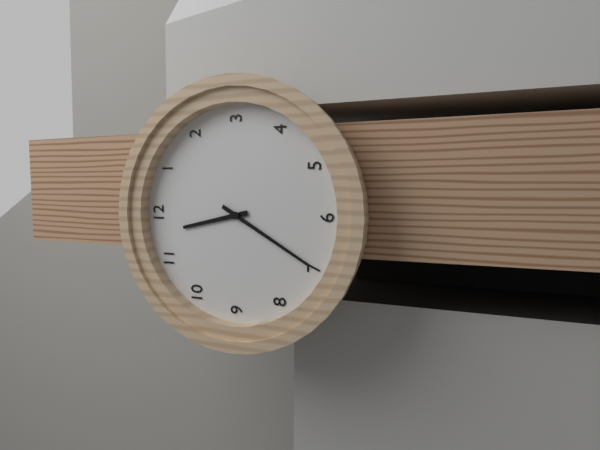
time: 11:35
